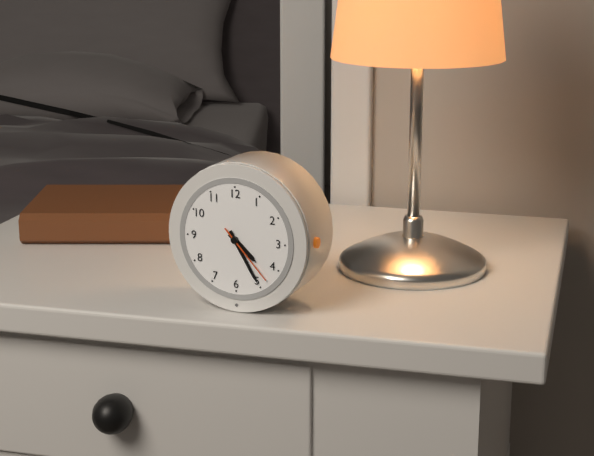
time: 4:25:23
